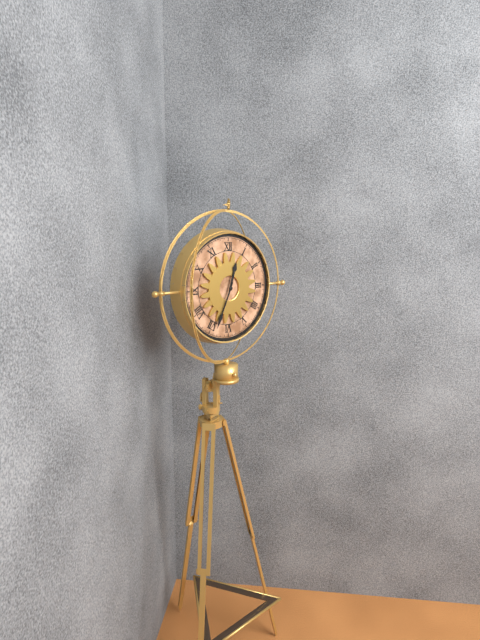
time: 12:34
